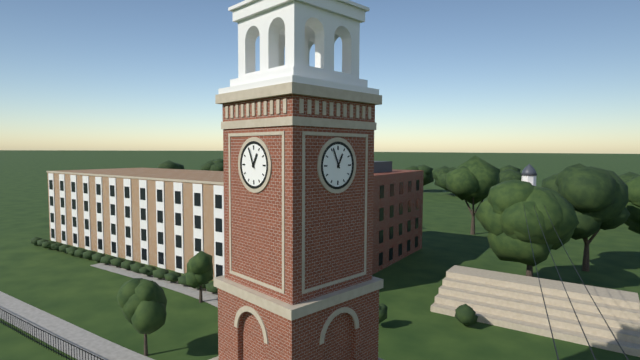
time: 12:56
